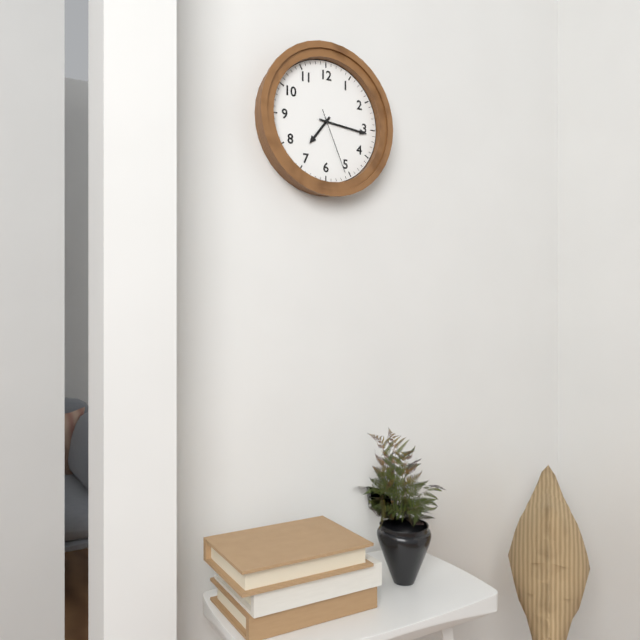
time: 7:16:26
